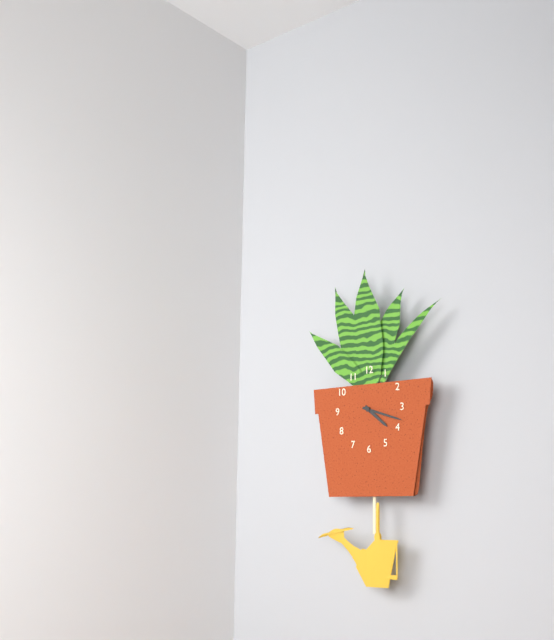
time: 4:18
